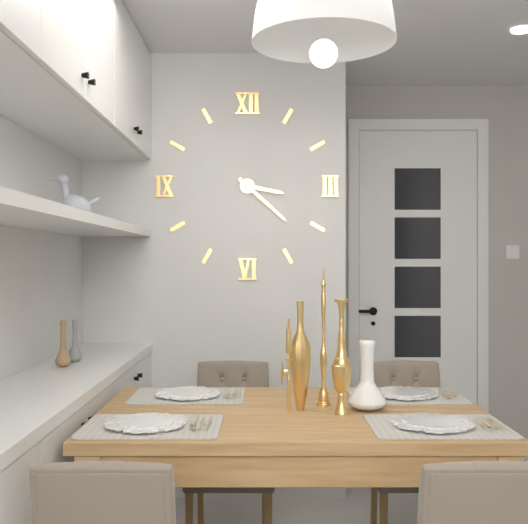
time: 3:22
